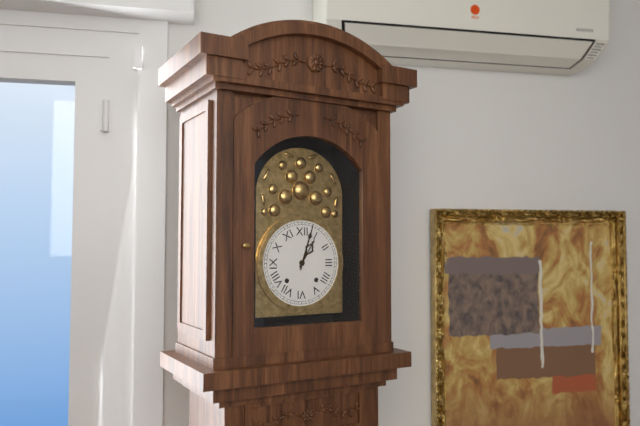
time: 1:03
